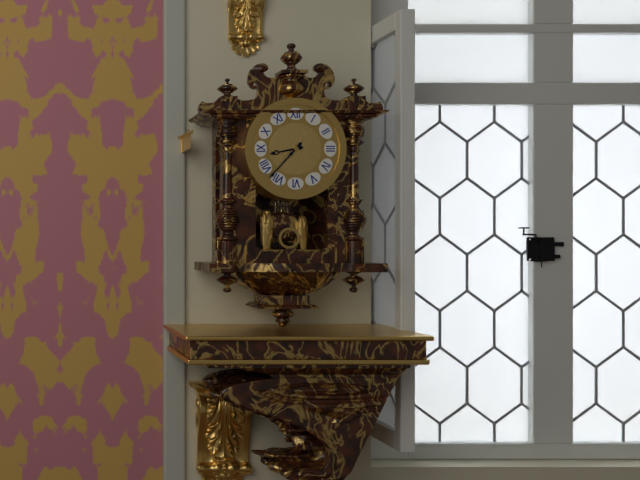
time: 8:37
